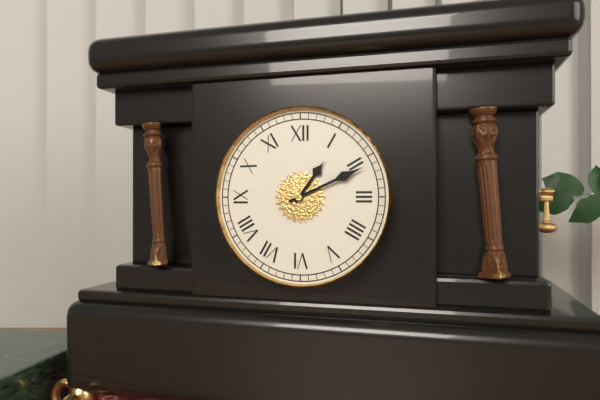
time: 1:11
